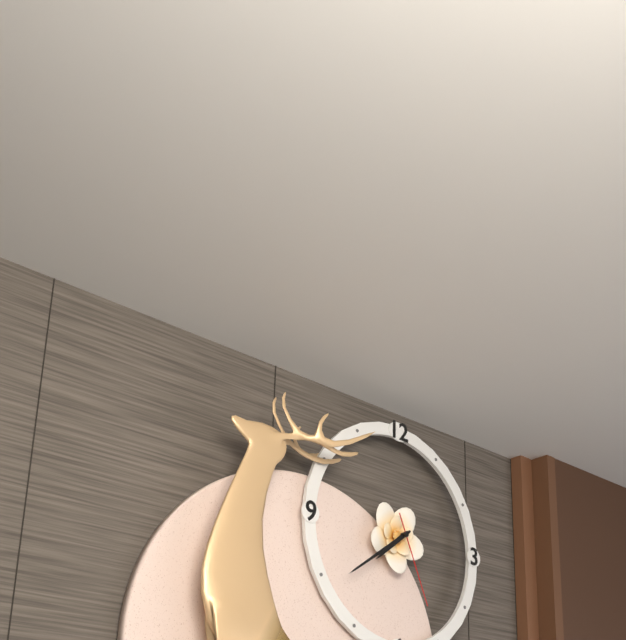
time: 7:39:26
